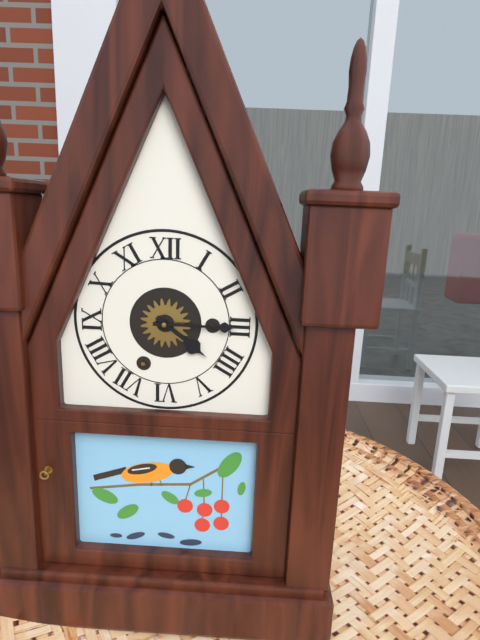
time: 4:15
